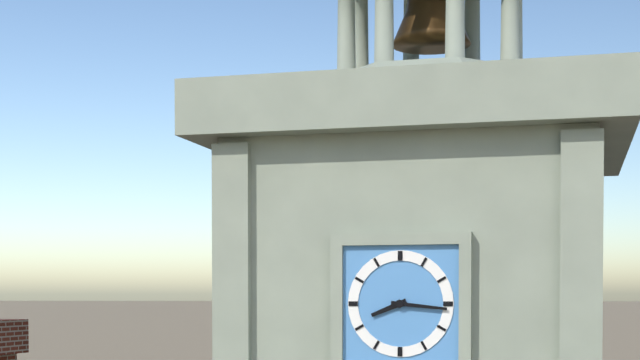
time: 8:16
